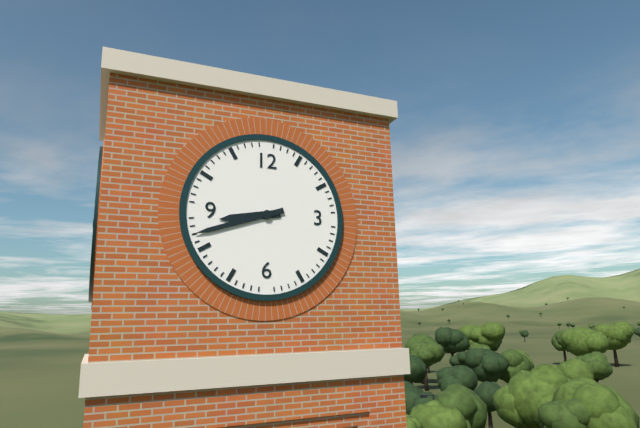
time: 8:42
